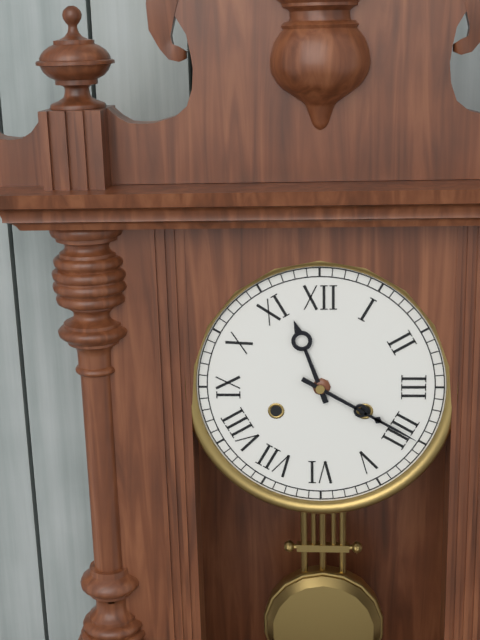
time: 11:20
